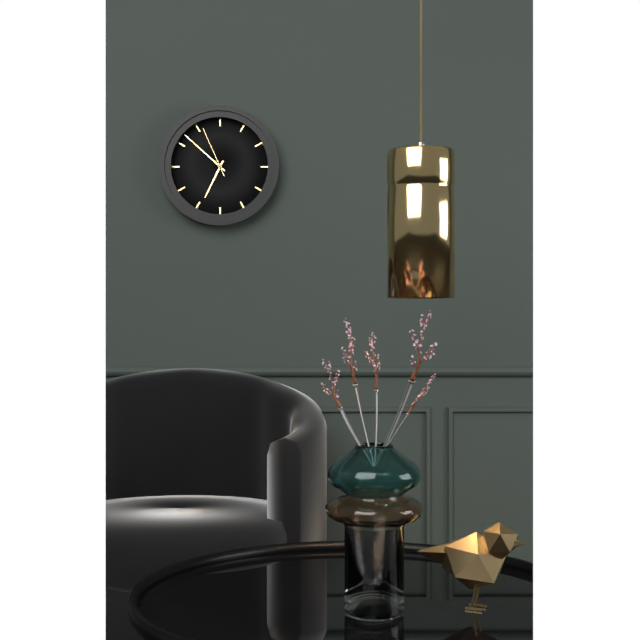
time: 6:52:56
